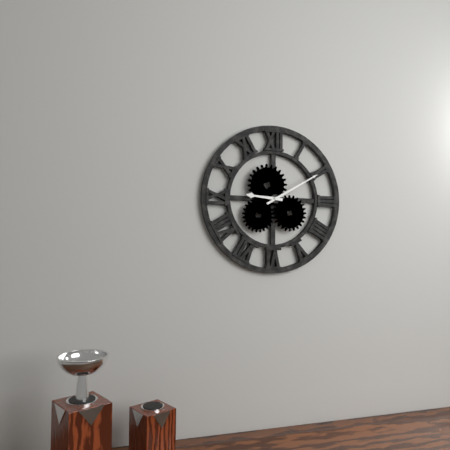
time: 9:10
